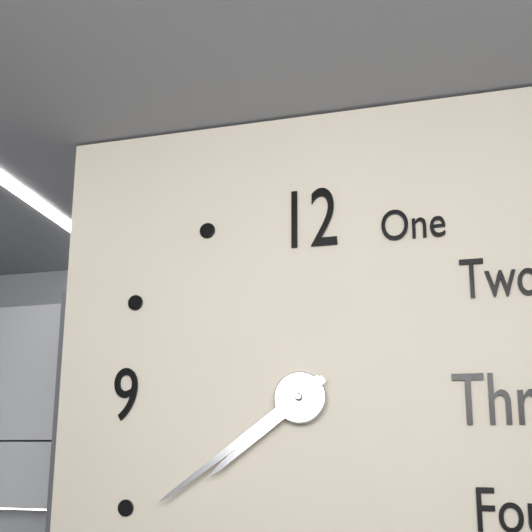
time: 7:39
